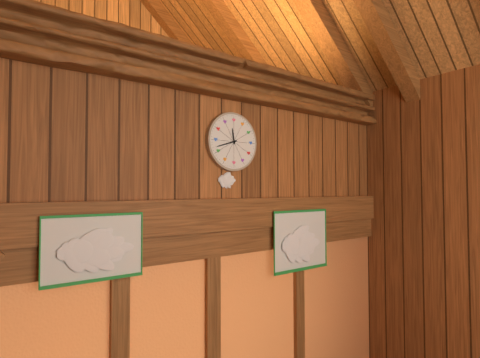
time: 11:42
